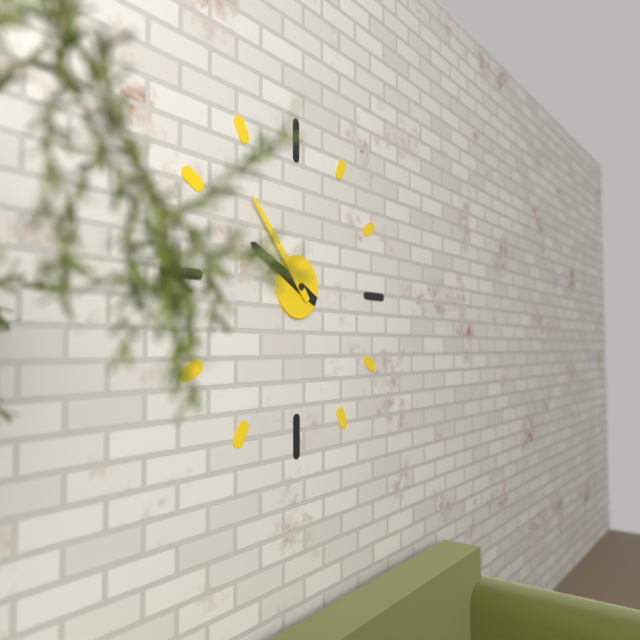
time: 9:53
